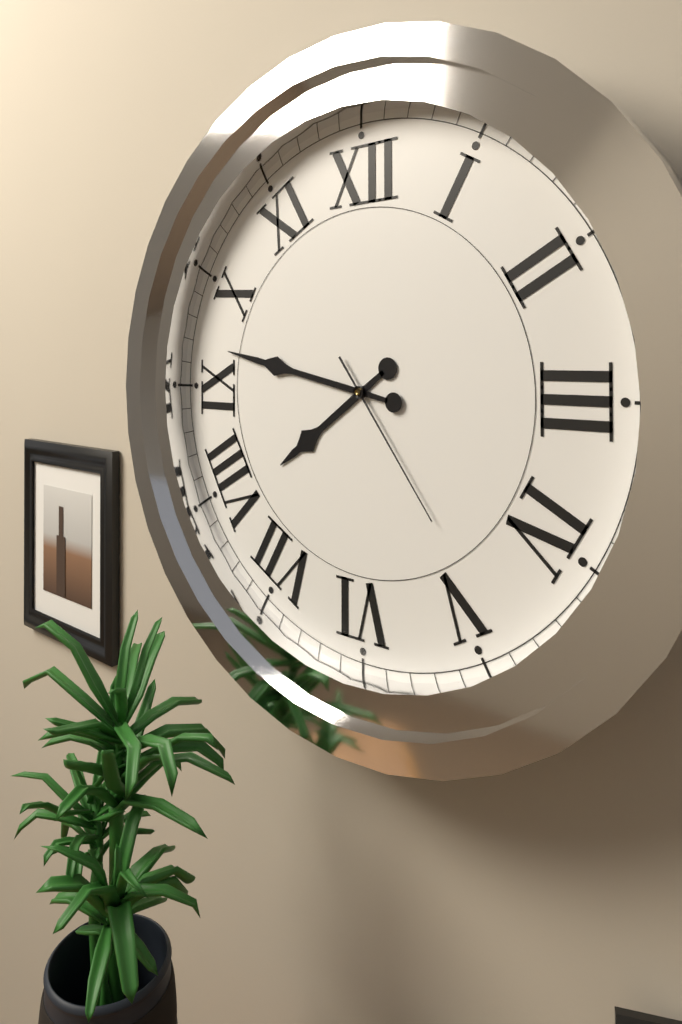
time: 7:47:24
